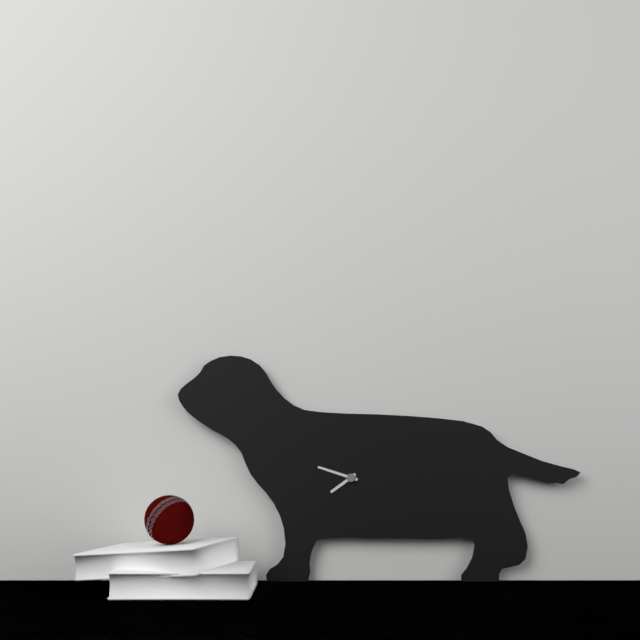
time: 7:48
